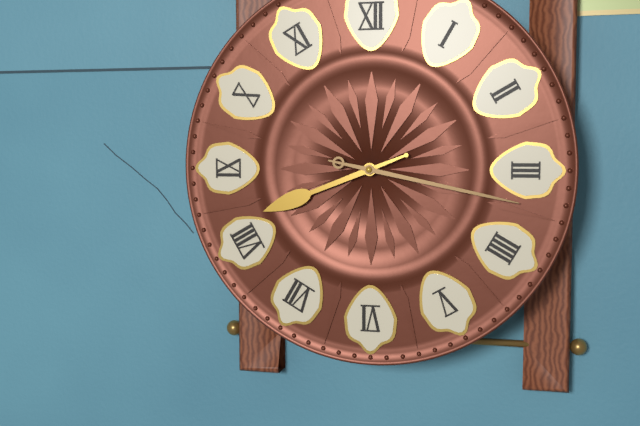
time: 8:17
